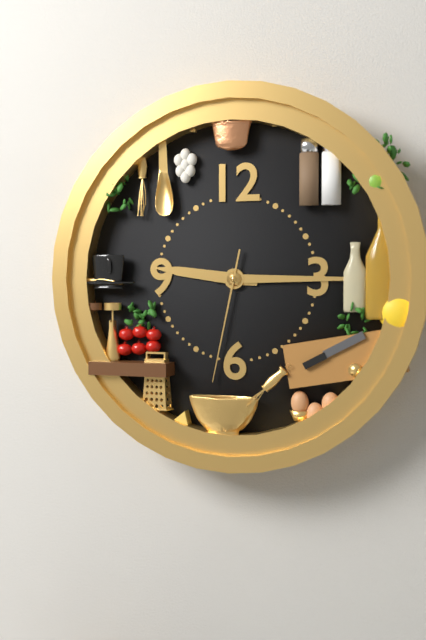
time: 9:15:32
